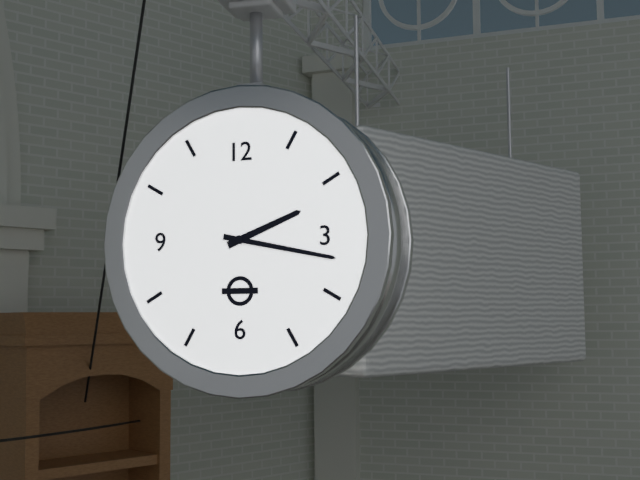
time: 2:17
